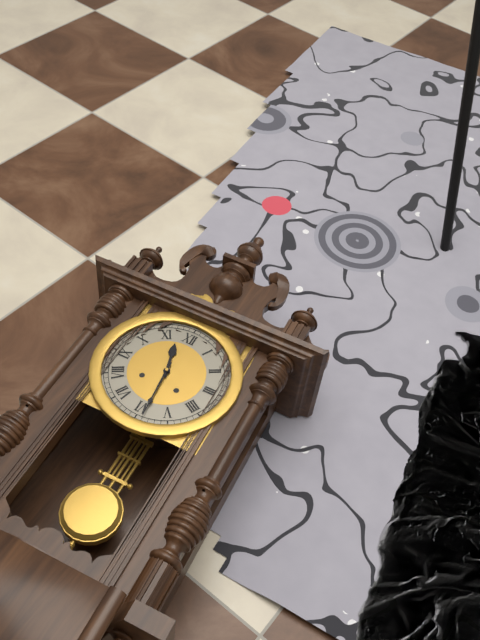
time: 11:29
